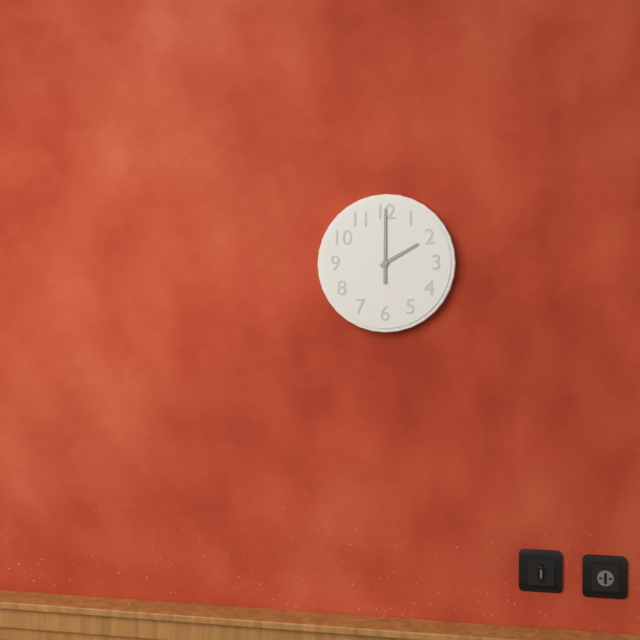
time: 2:00
